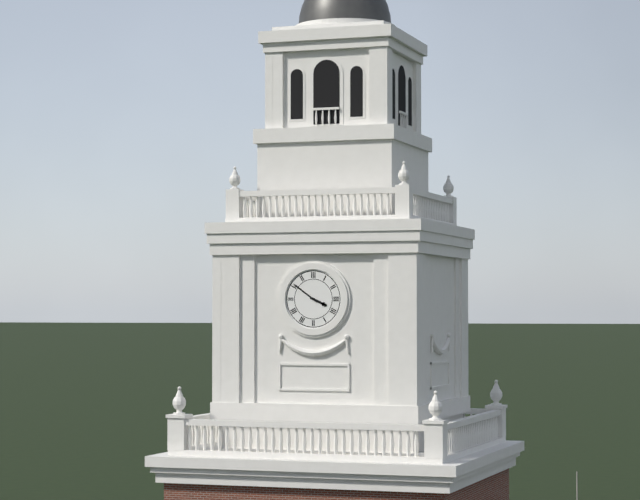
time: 3:51
